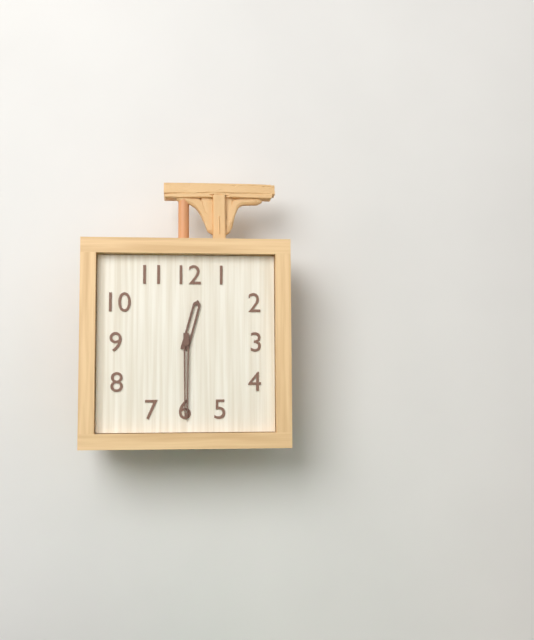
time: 12:30
